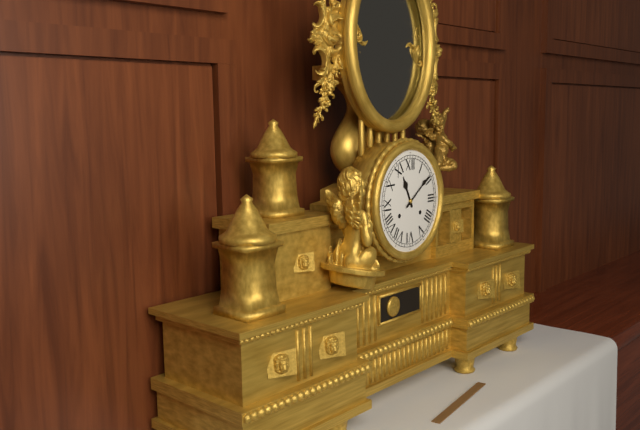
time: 11:09
